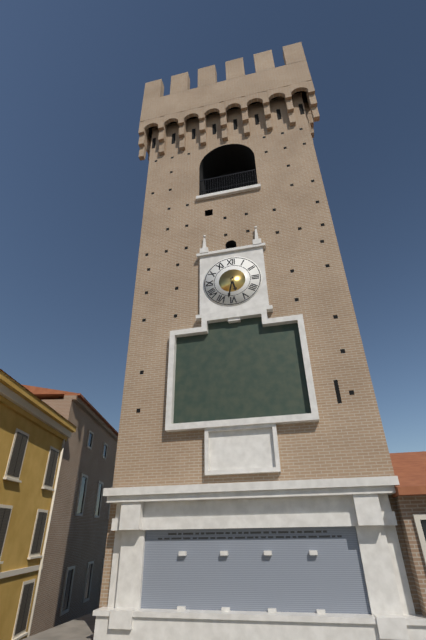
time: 5:32
